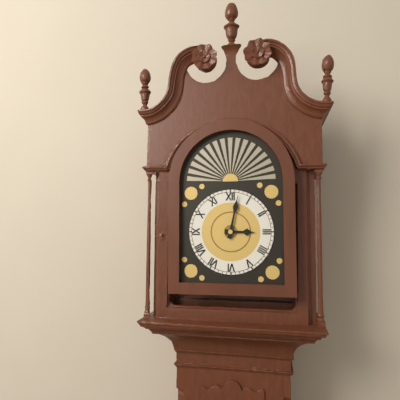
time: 3:02
